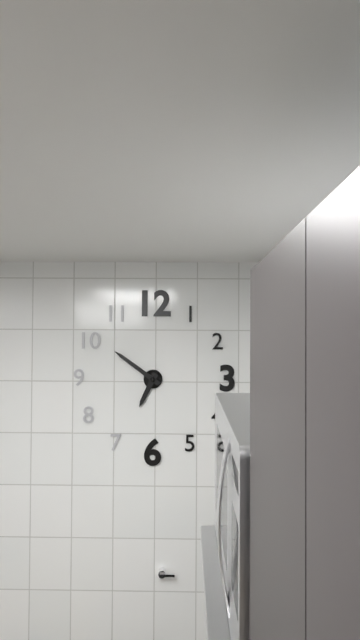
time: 6:51
